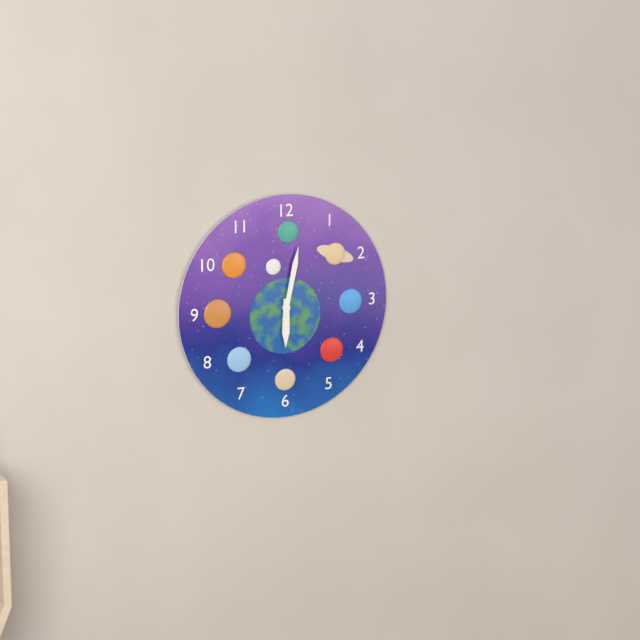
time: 6:02
